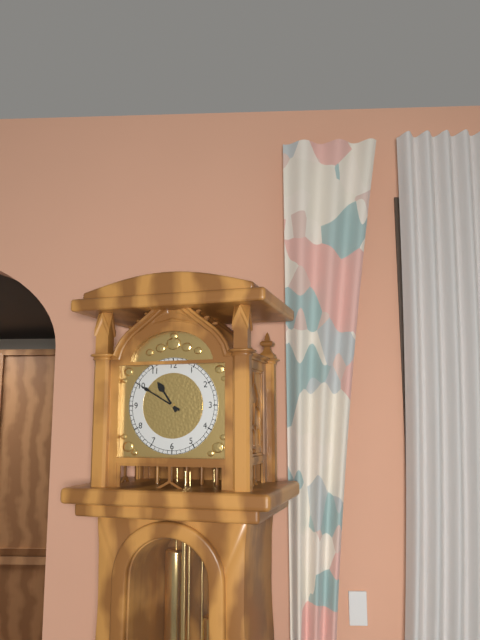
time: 10:50
